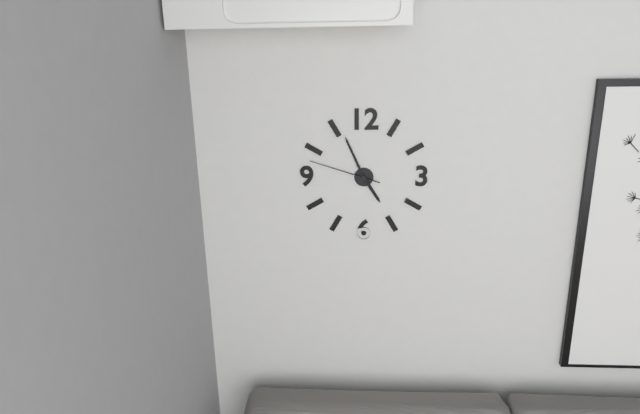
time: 4:56:48
